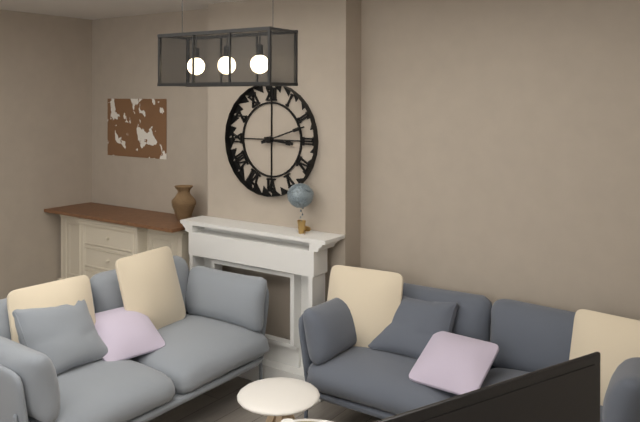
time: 3:12
